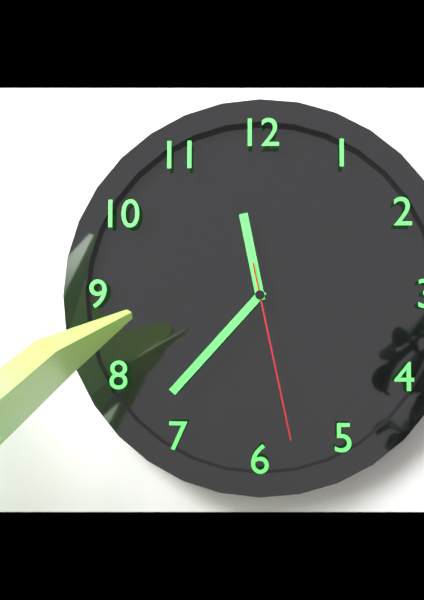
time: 11:37:28
